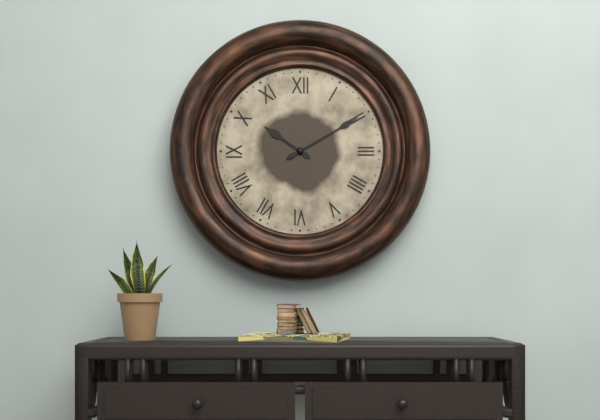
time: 10:10
